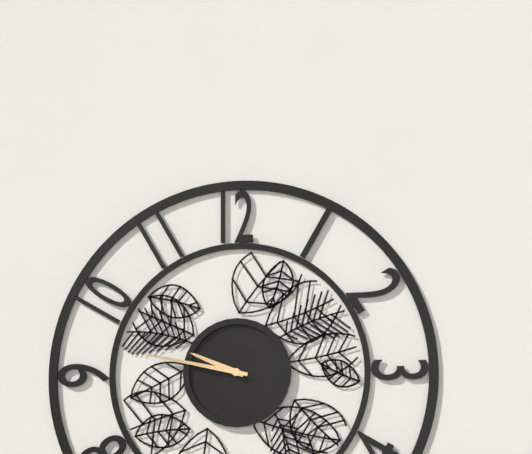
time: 9:47
